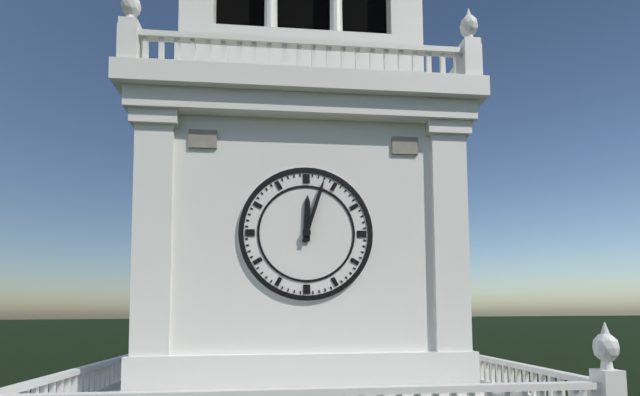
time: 12:03
